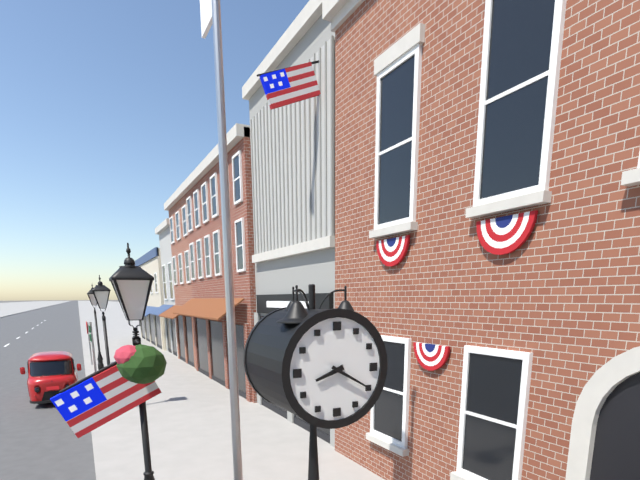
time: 8:20
